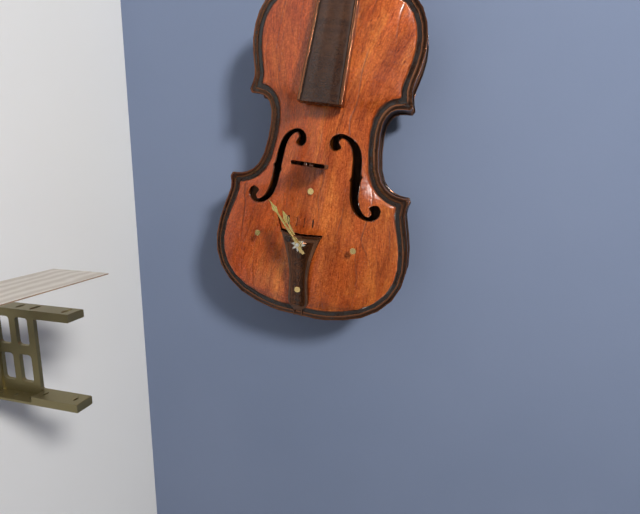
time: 10:53
